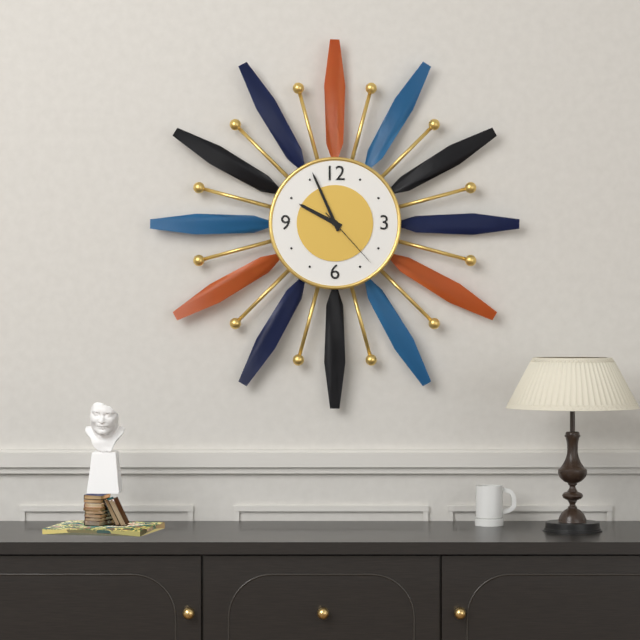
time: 9:56:23
